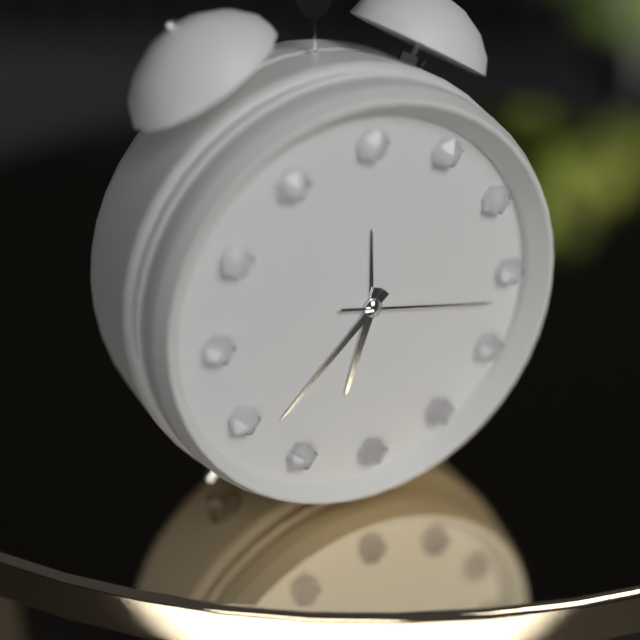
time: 6:38:17
